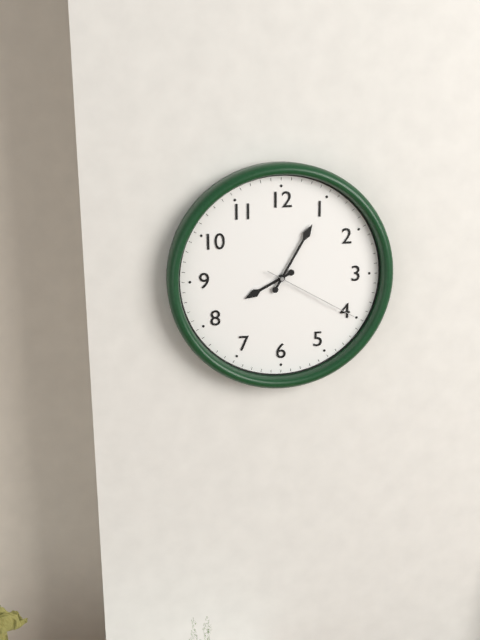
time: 8:05:20
